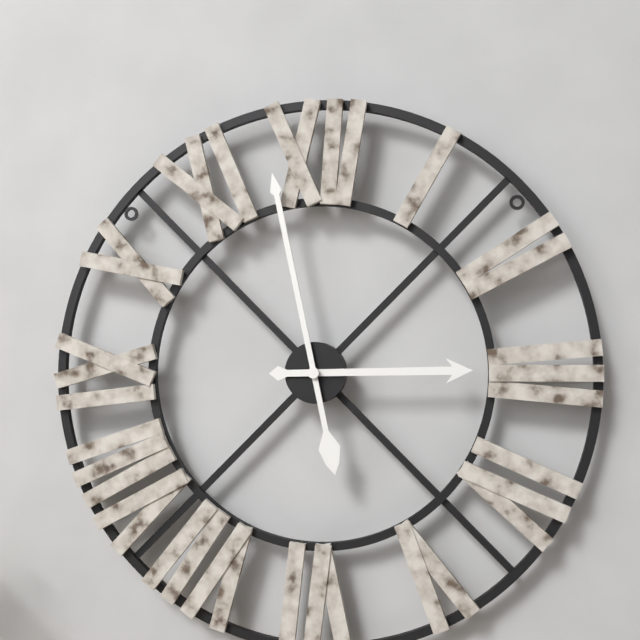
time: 2:58
